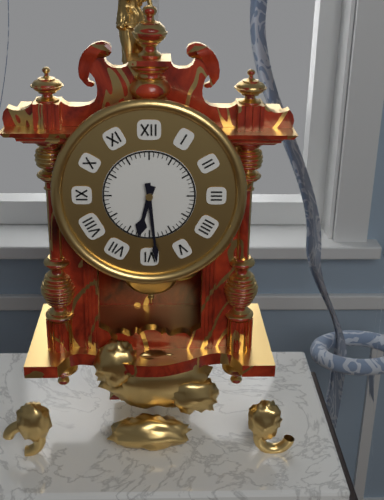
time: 6:29
